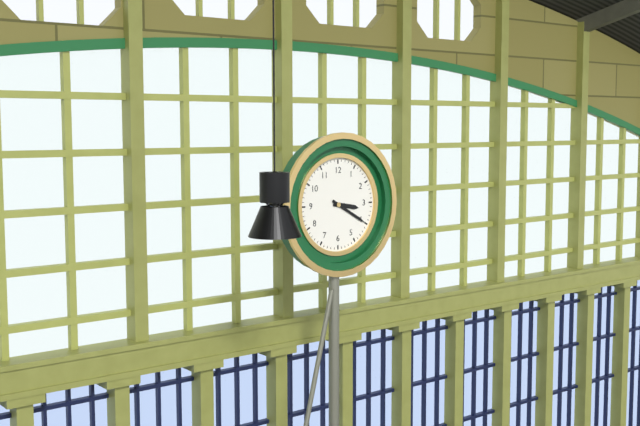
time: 3:20
